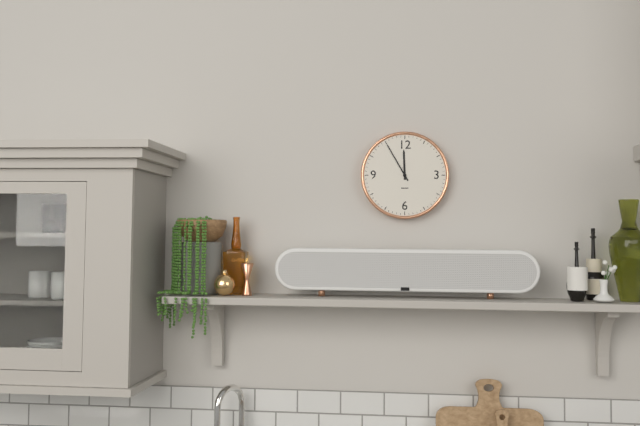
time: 11:55
